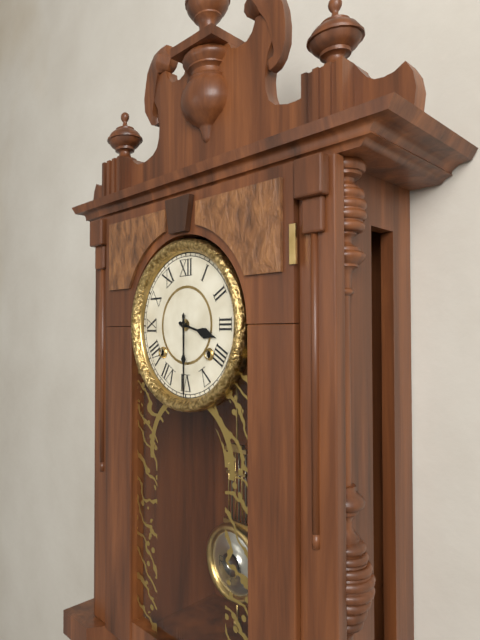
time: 3:30
